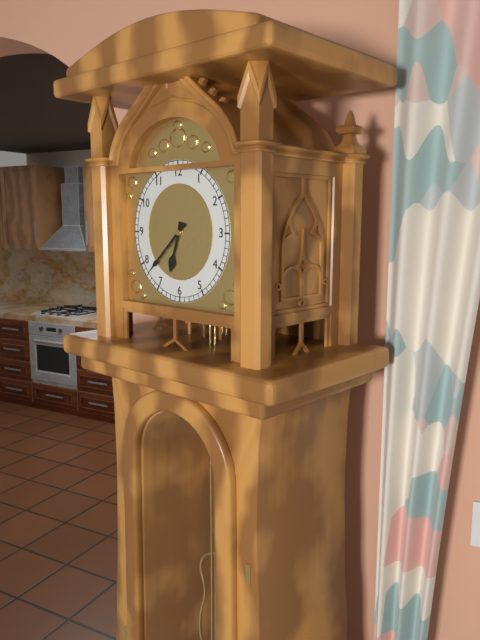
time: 6:38
